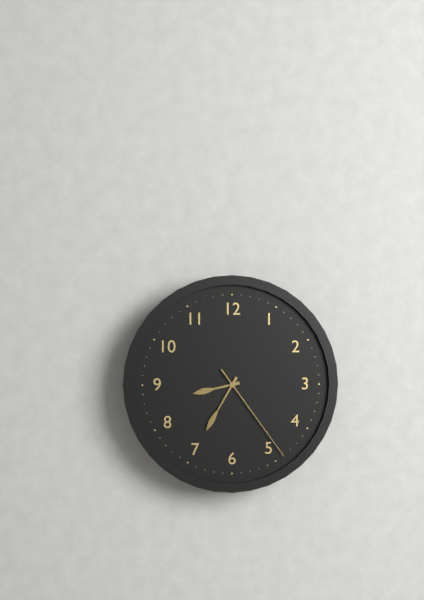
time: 8:35:24
